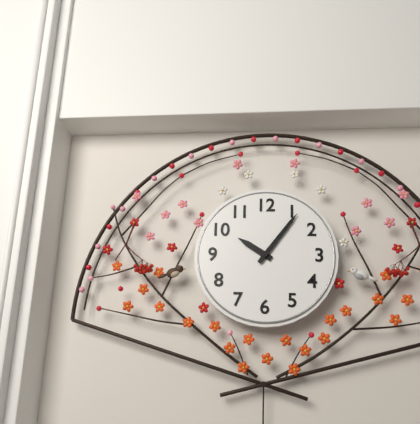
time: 10:06
